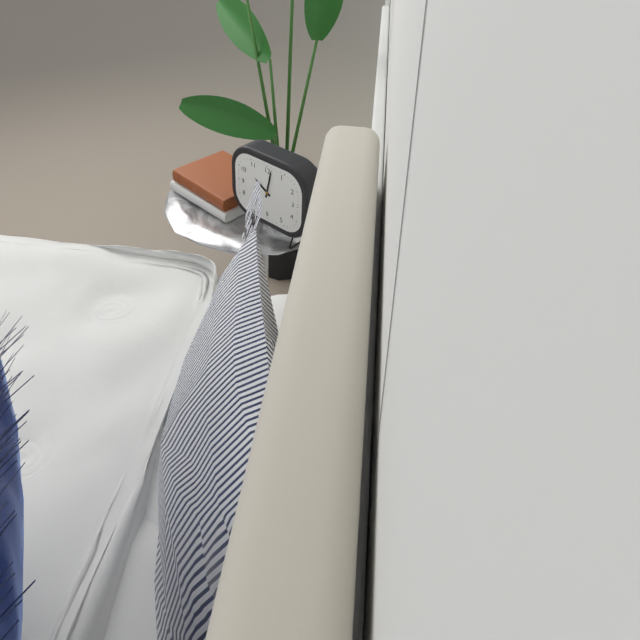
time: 10:02
